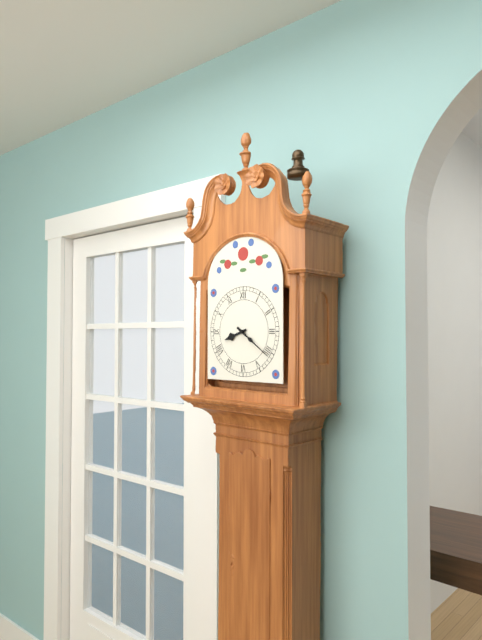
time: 8:21
